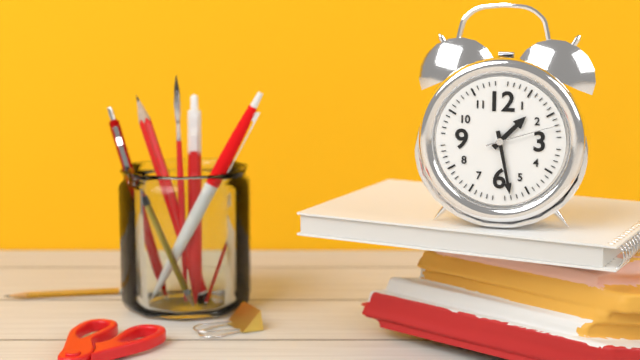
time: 1:28:12
